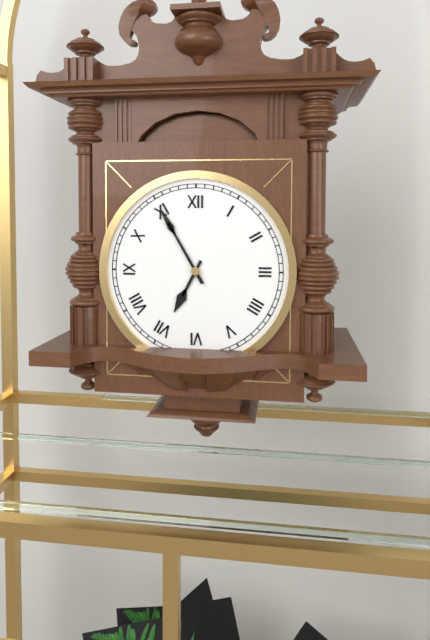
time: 6:55
